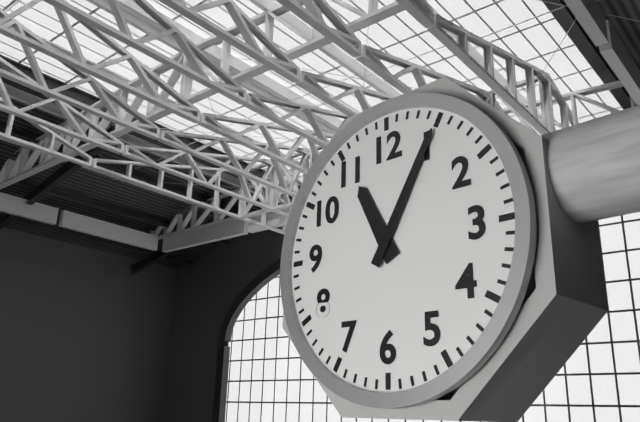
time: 11:05
